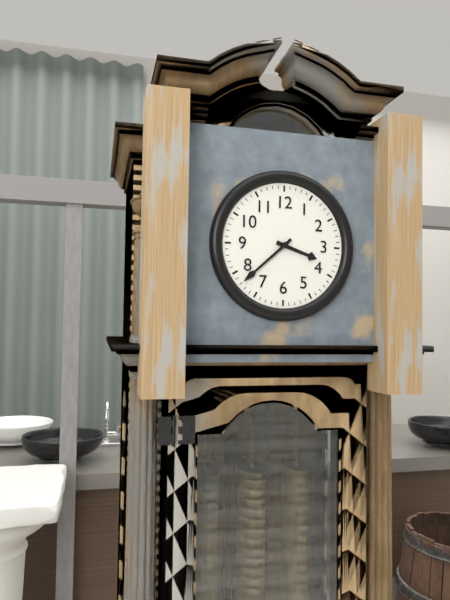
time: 3:38
